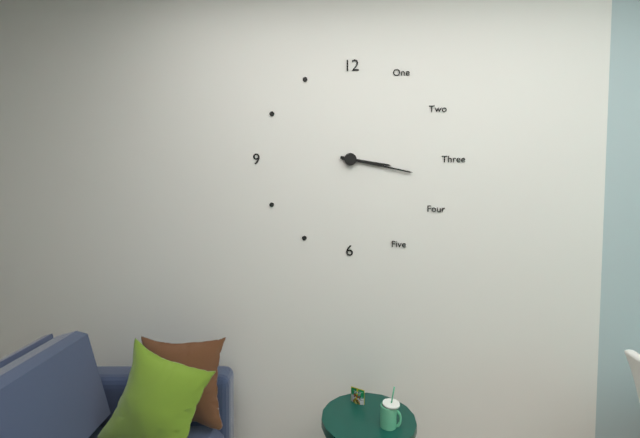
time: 3:17
